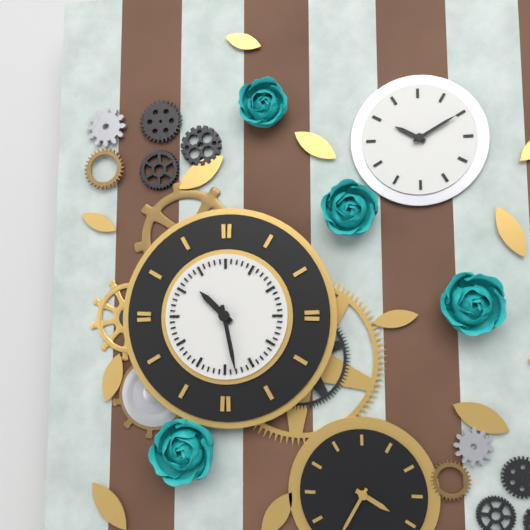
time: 10:28
